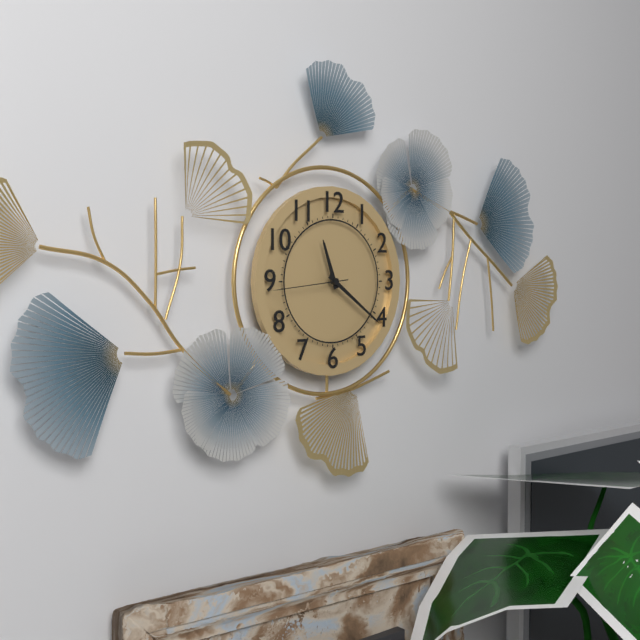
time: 11:21:44
